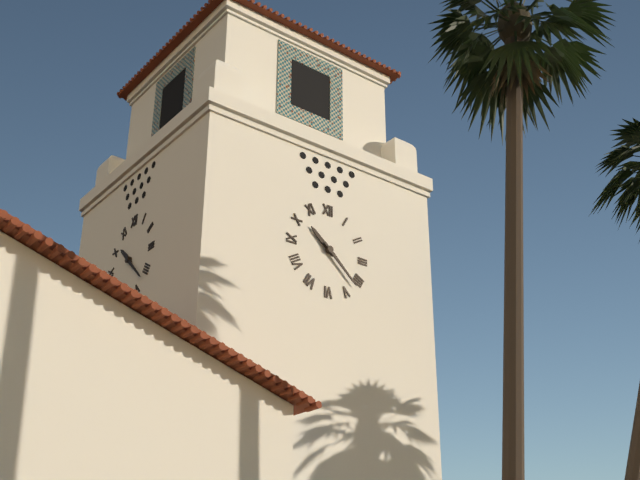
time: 10:22
